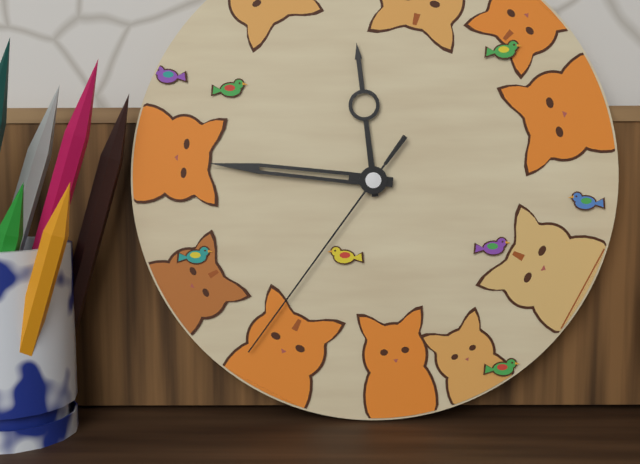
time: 11:46:36
